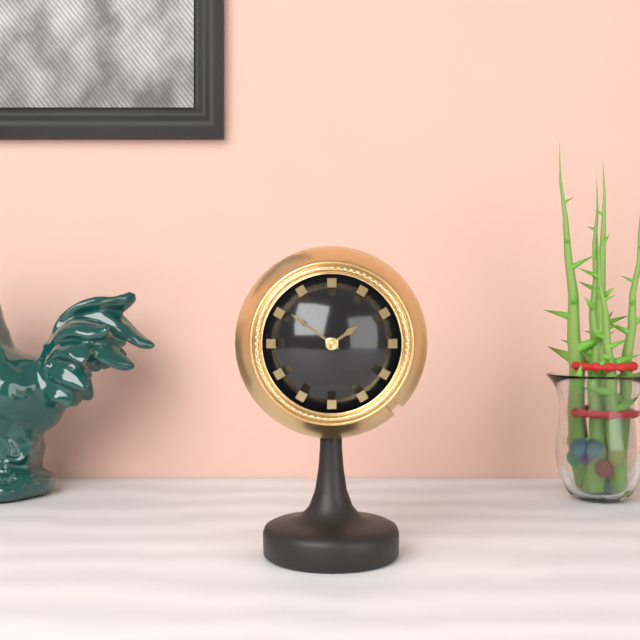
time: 1:51
